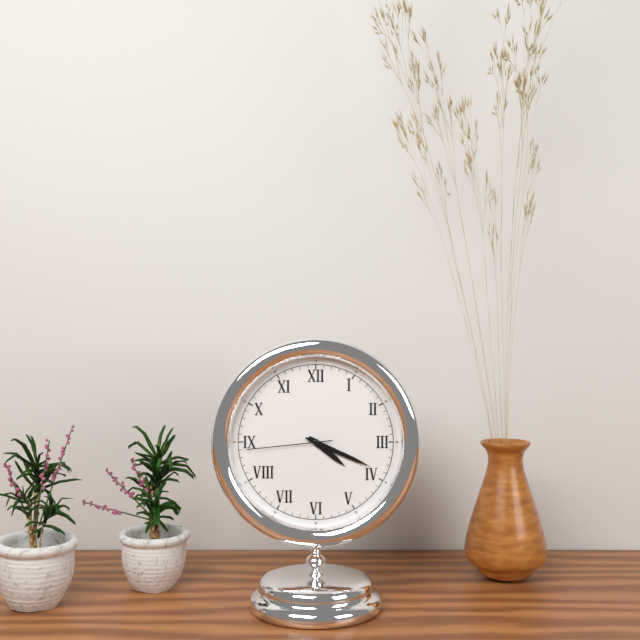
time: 4:19:44
